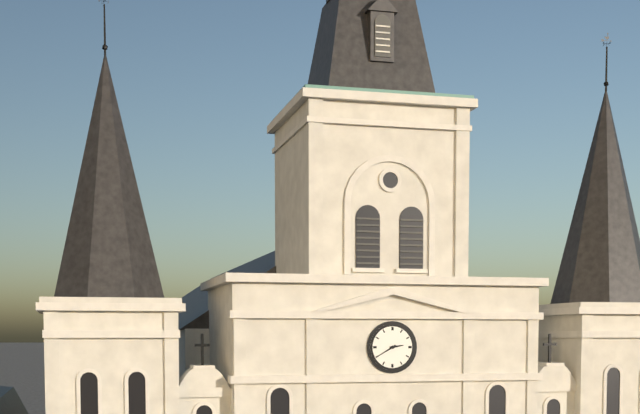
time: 2:40
